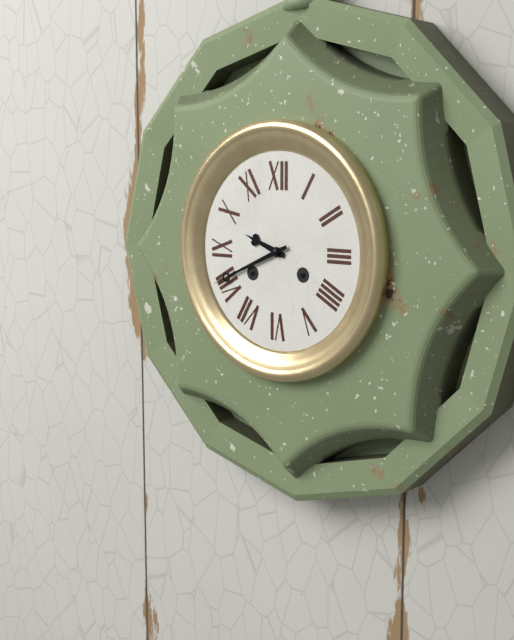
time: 9:41
